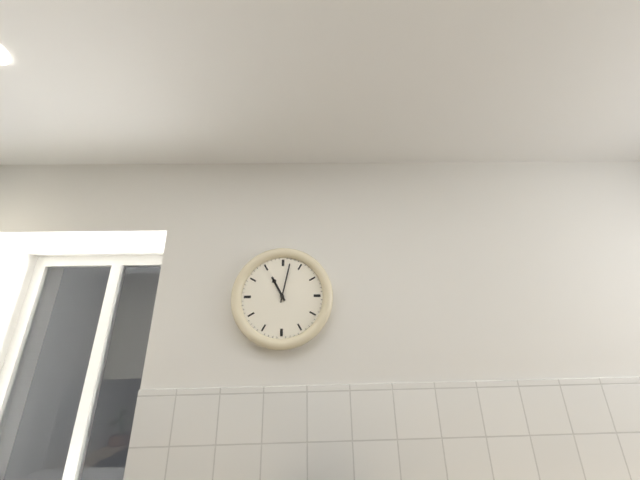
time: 11:02
